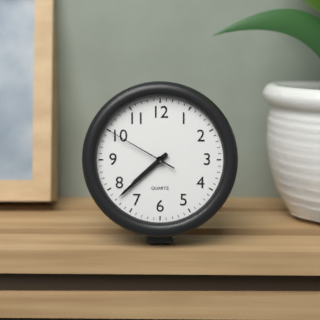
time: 7:38:50
